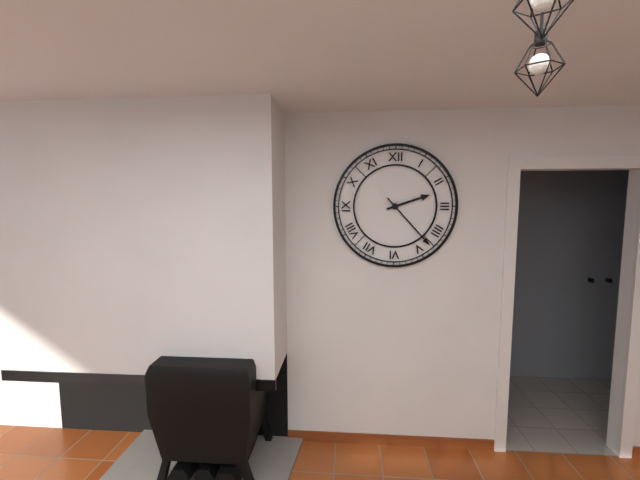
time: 2:23
